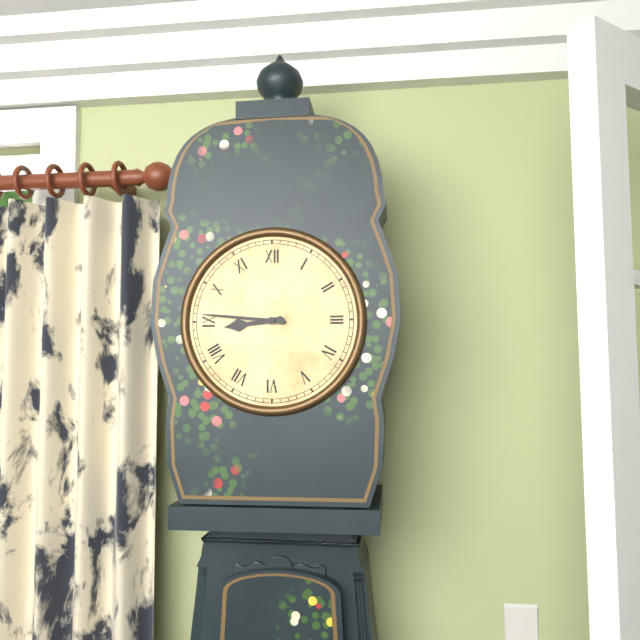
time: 8:46
